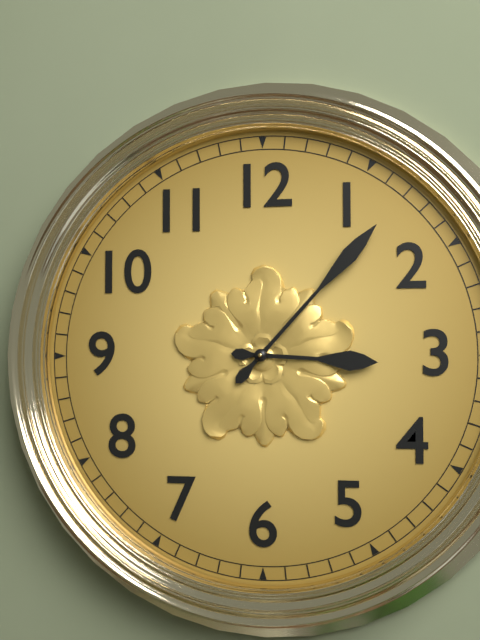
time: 3:07
